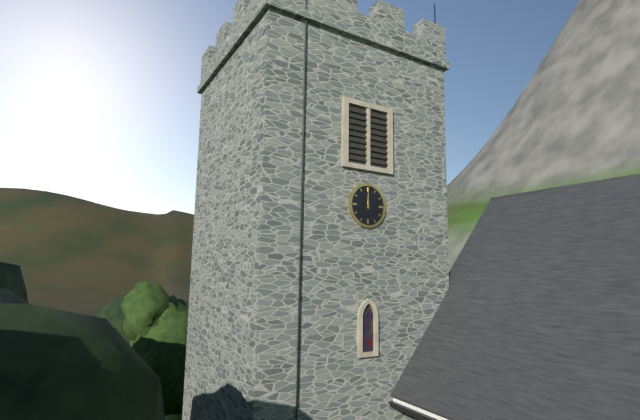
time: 12:00
